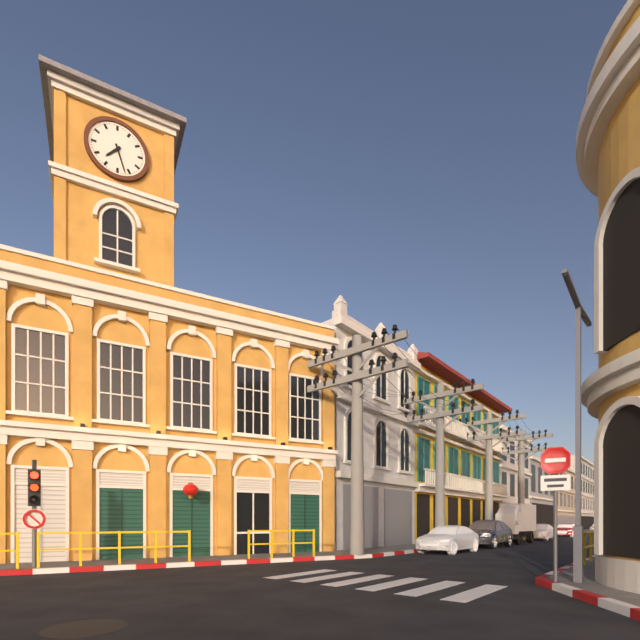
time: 7:27
